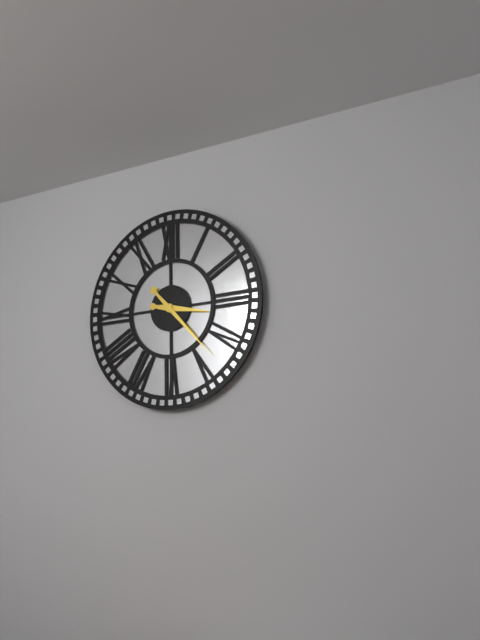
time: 3:23
